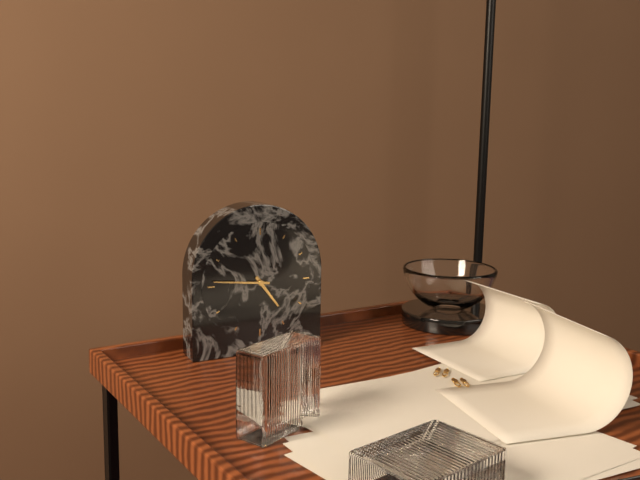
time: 4:46
